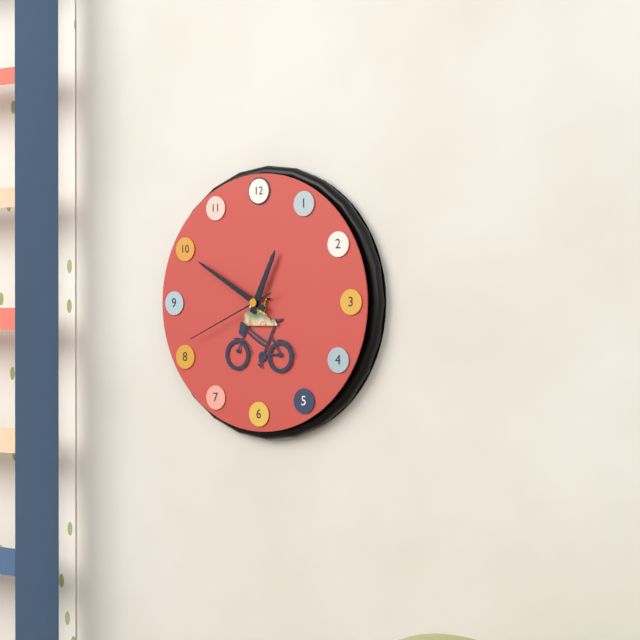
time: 12:50:41
